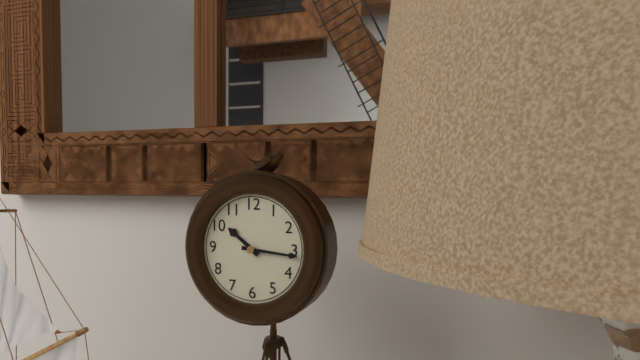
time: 10:16
